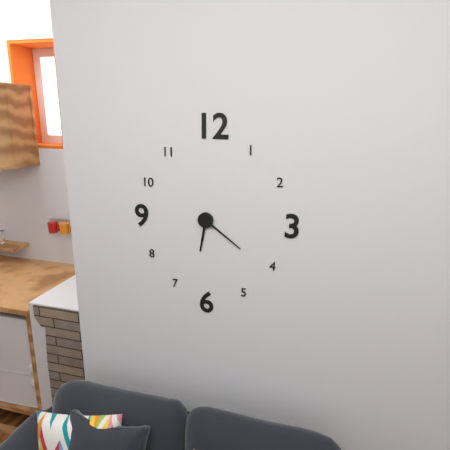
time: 6:21
